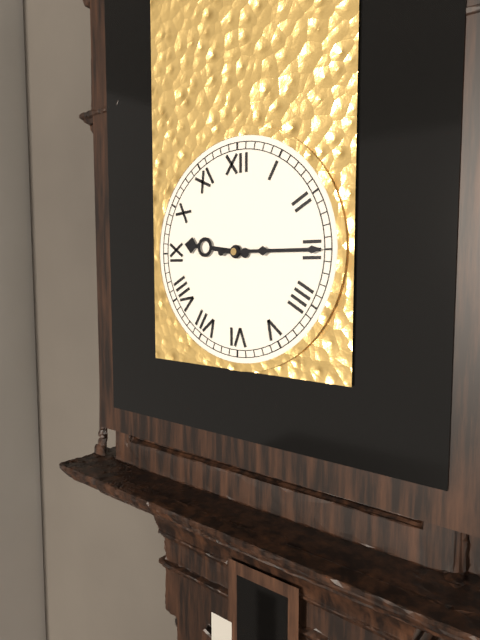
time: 9:15
